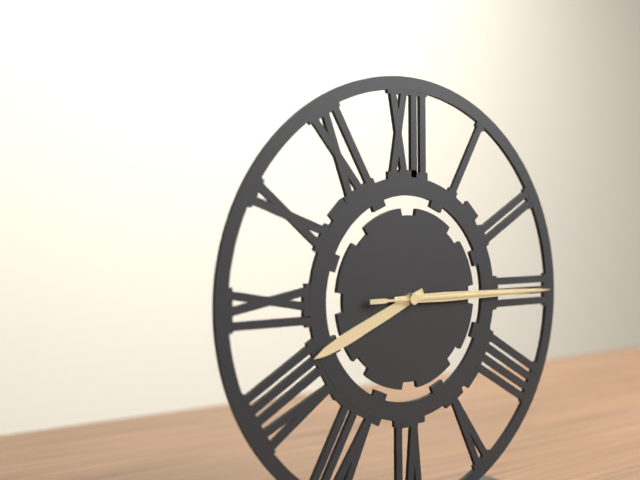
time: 8:15:15
